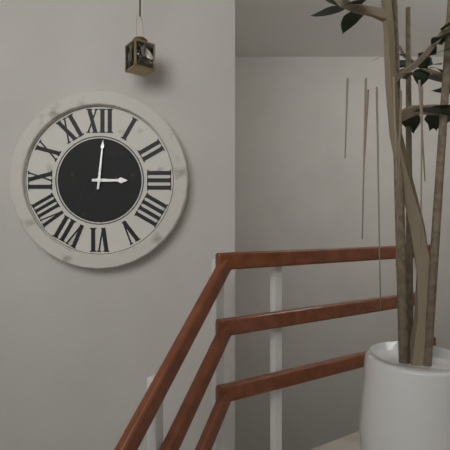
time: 3:01
